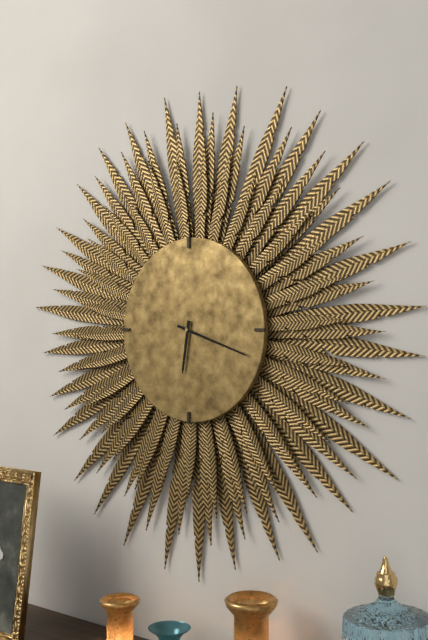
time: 6:18
